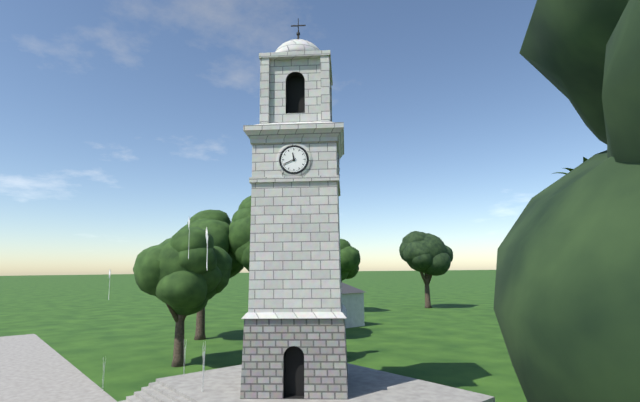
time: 11:41
